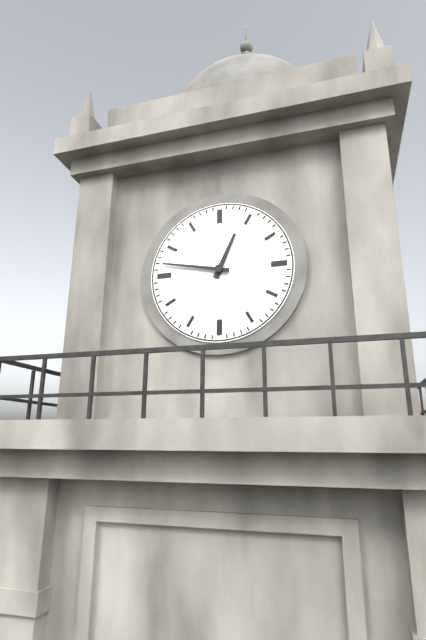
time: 12:47
